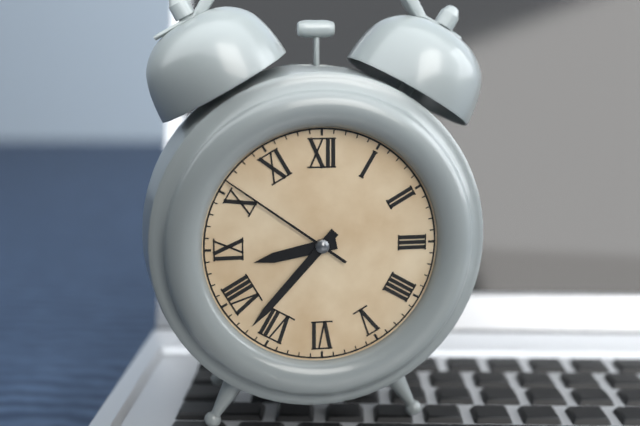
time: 8:37:51
